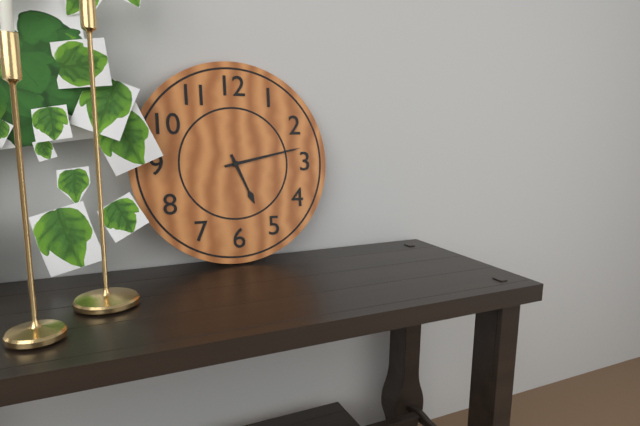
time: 5:13
